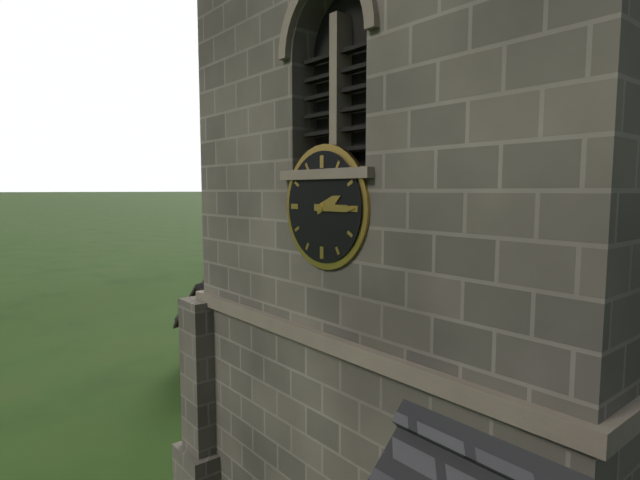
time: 2:15
